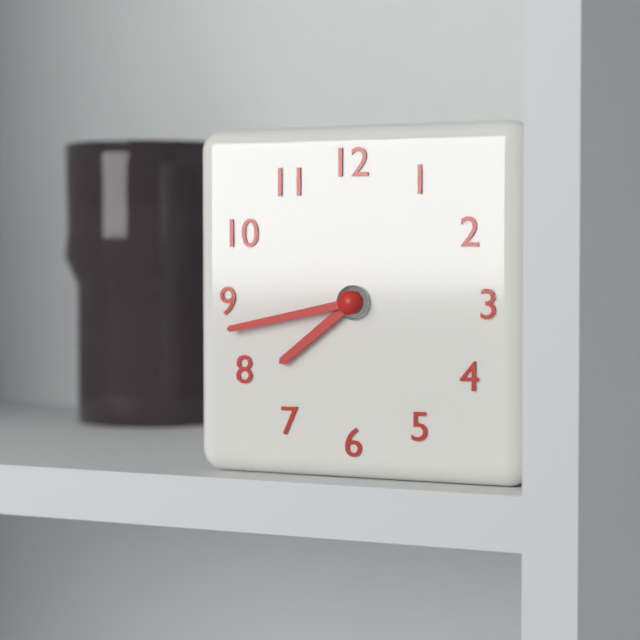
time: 7:43
